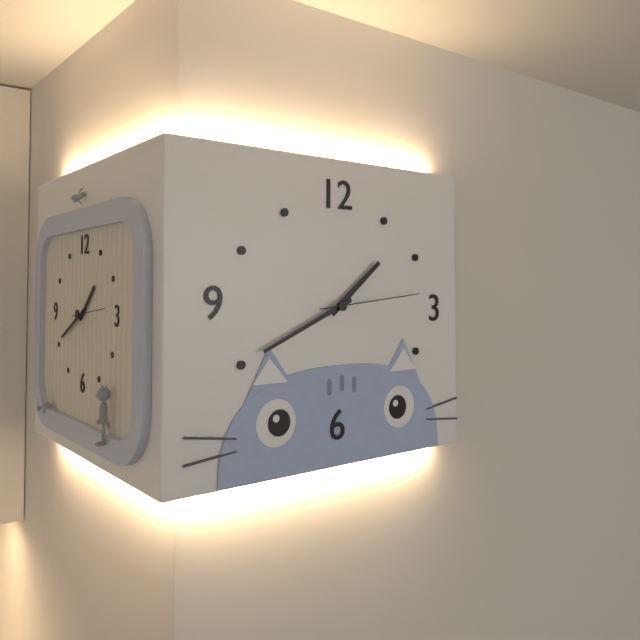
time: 1:41:14
